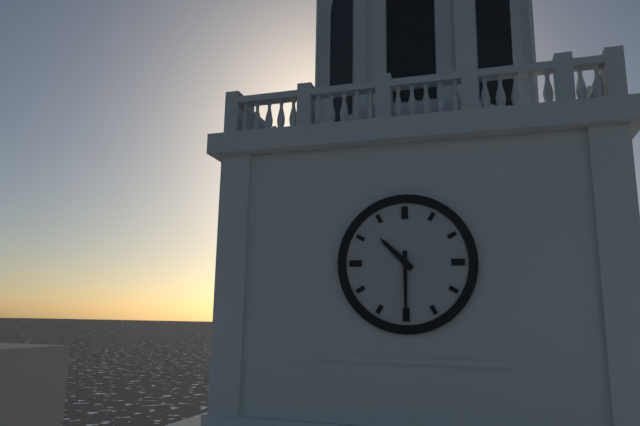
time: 10:30
